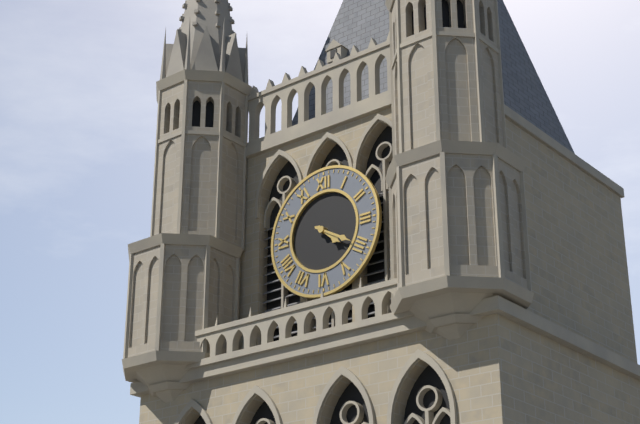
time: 4:20
